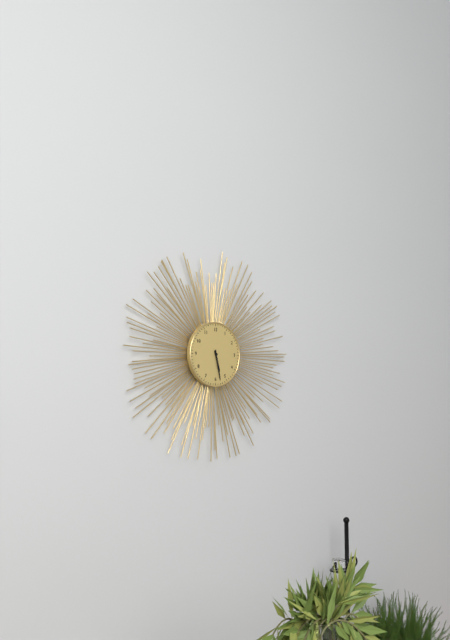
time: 5:28
